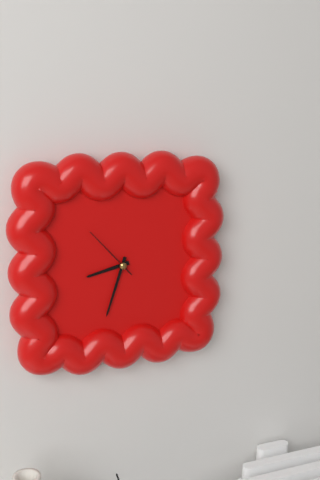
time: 8:33:53
